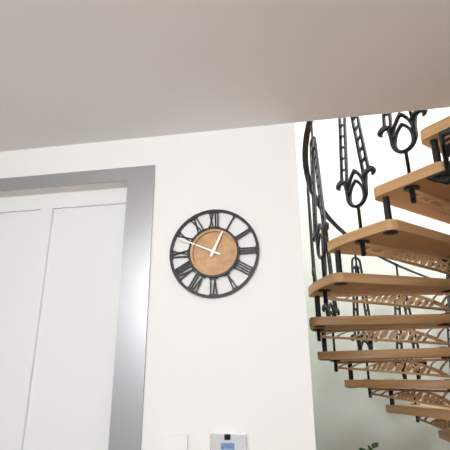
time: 12:49
